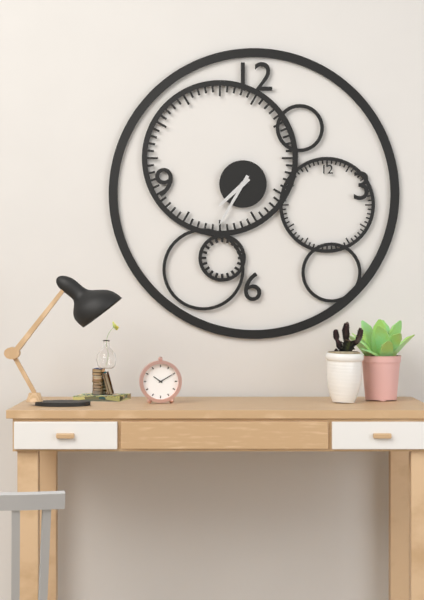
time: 7:35
